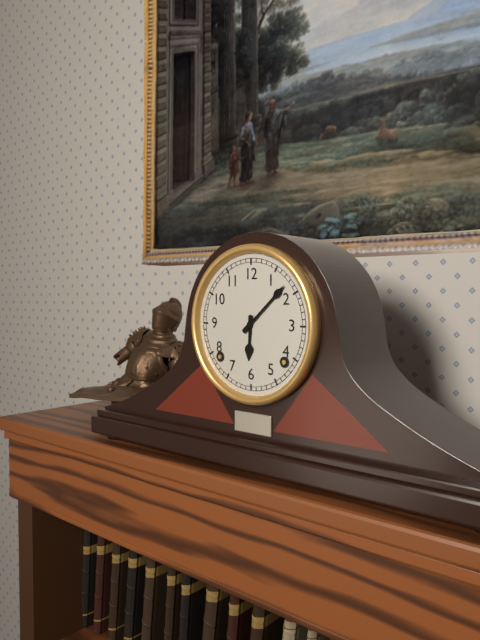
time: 6:08
